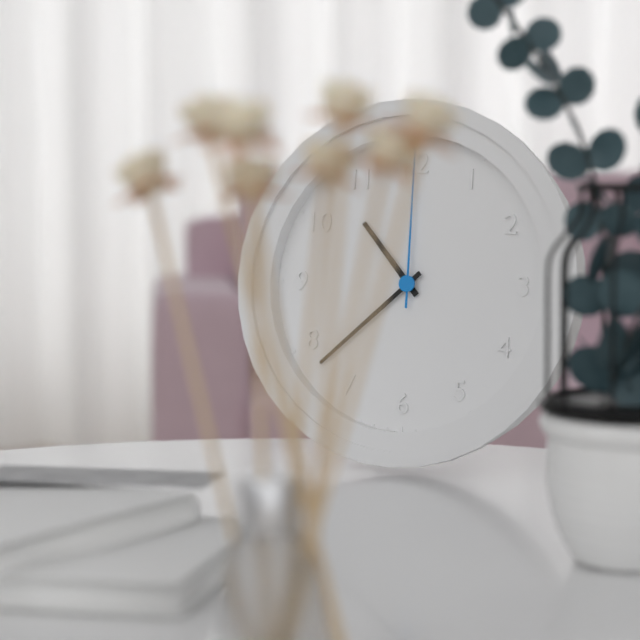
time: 10:38
